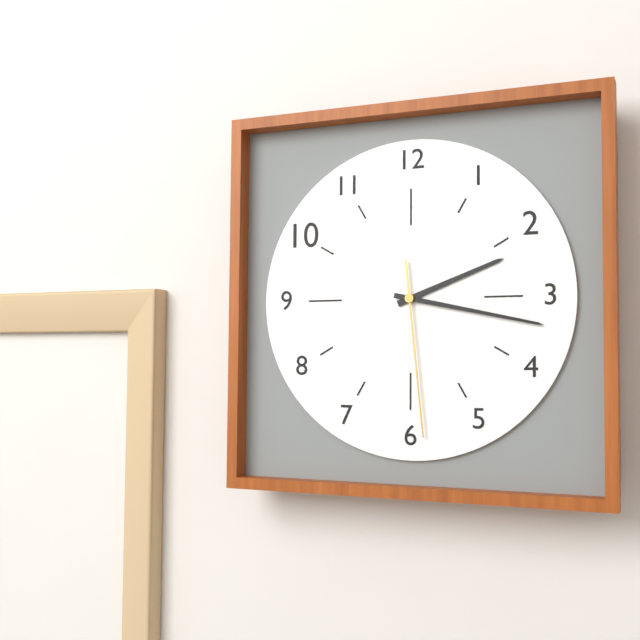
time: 2:17:29
